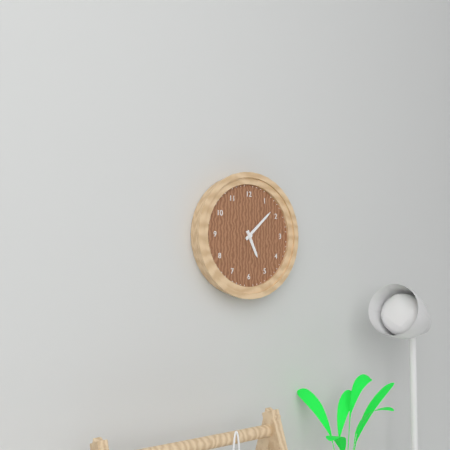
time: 5:08
